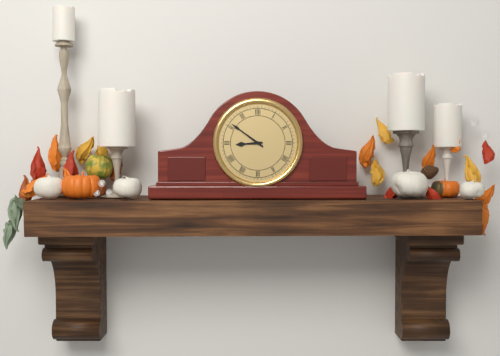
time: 8:51
